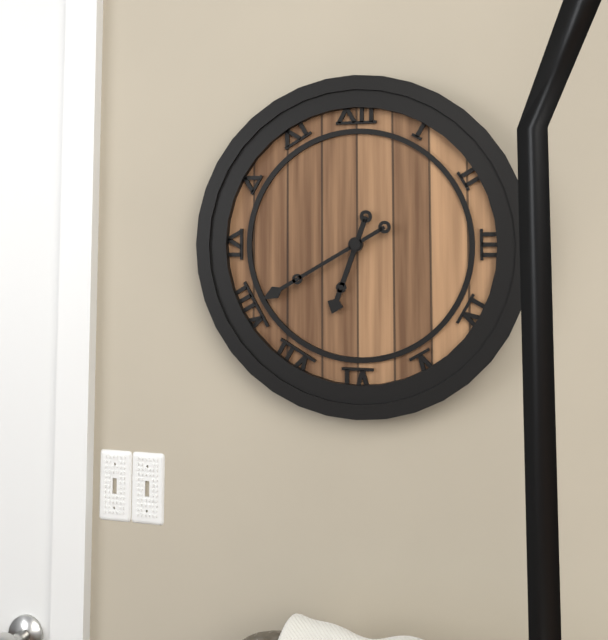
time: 6:40
